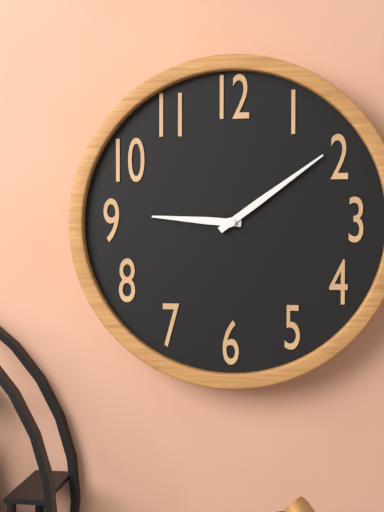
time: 9:09
